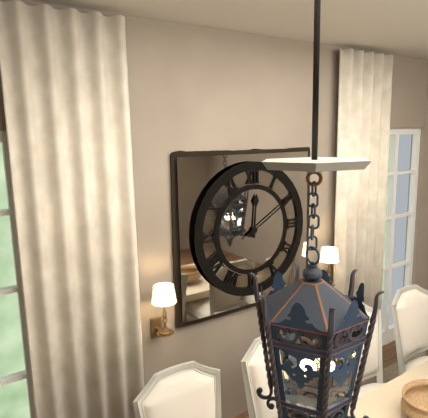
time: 12:10
